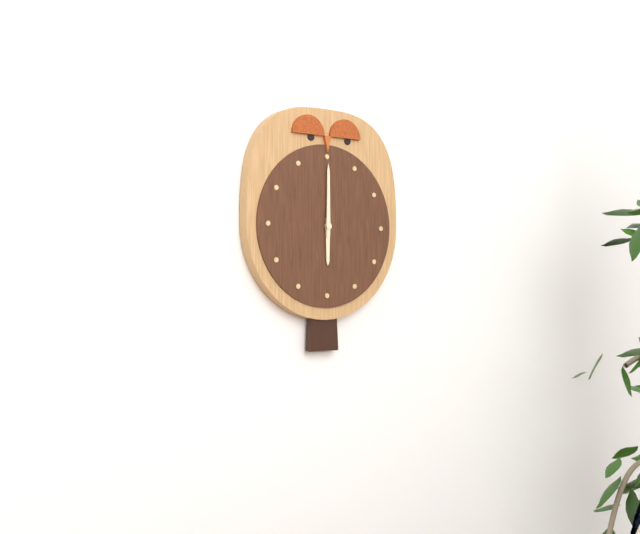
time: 6:00
